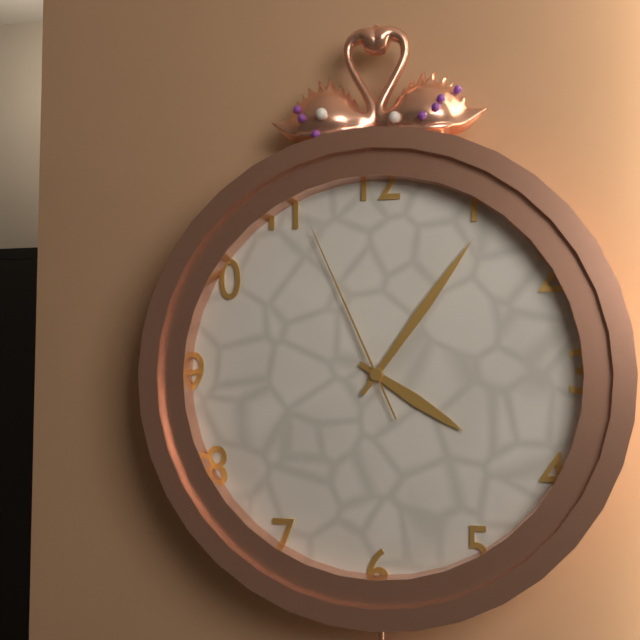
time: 4:06:56
